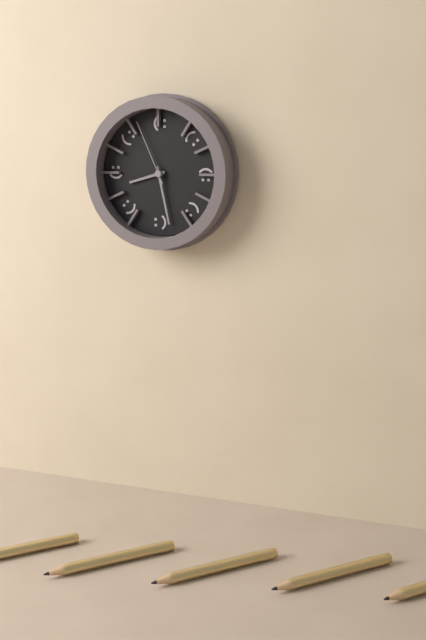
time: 8:28:56
